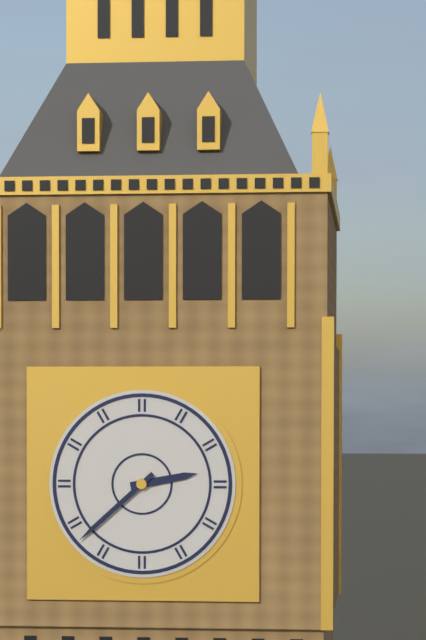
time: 2:38
